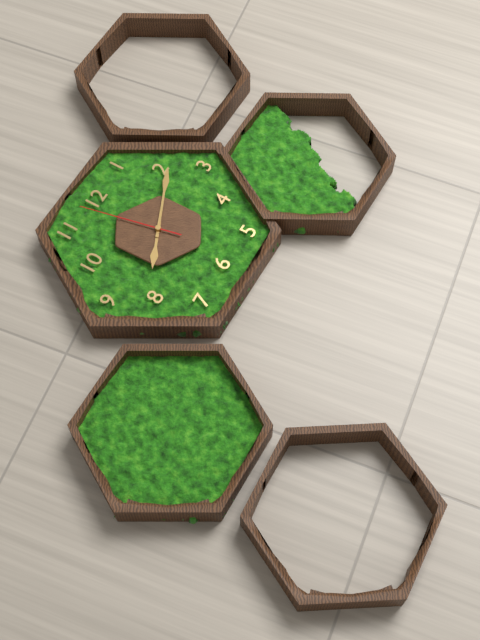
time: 8:11:58
